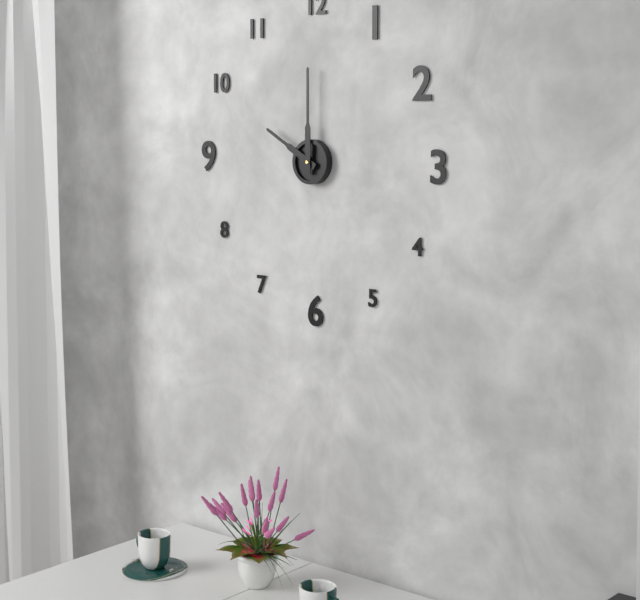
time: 10:00
